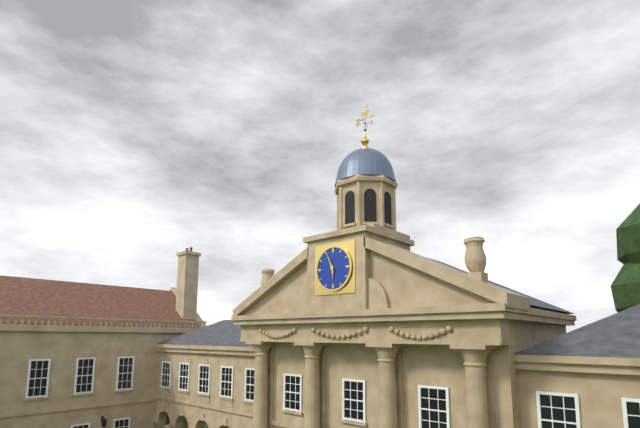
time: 5:56
